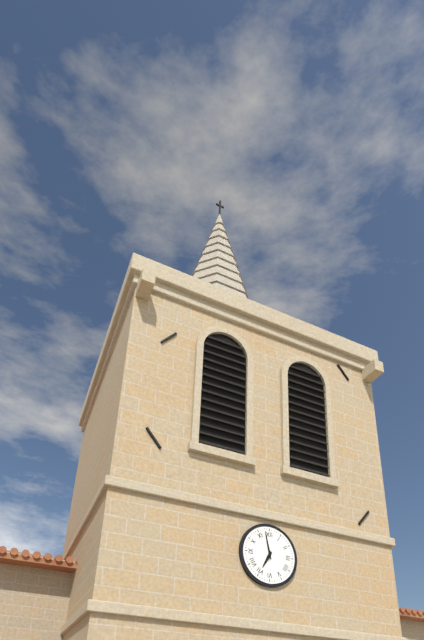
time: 6:58
